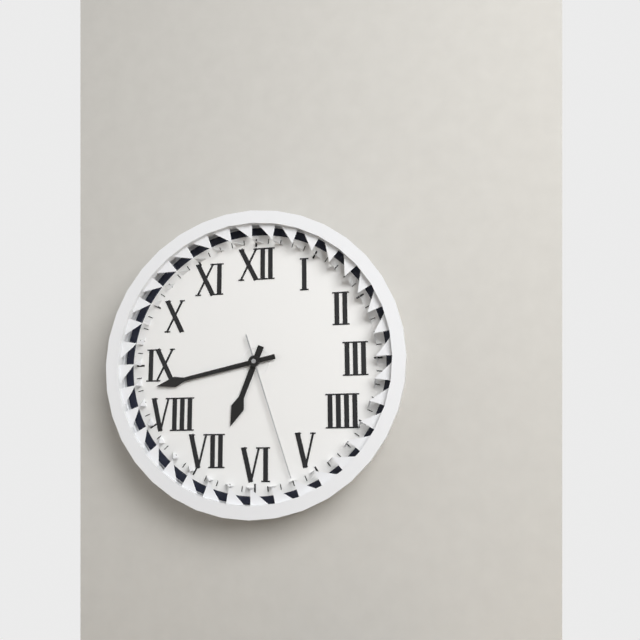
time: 6:43:27
